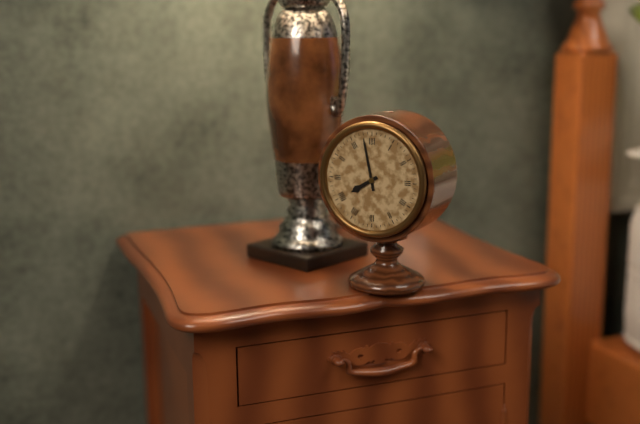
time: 7:58
